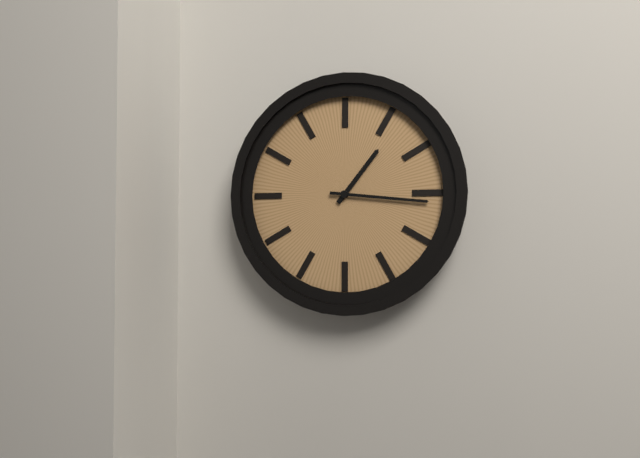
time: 1:16
